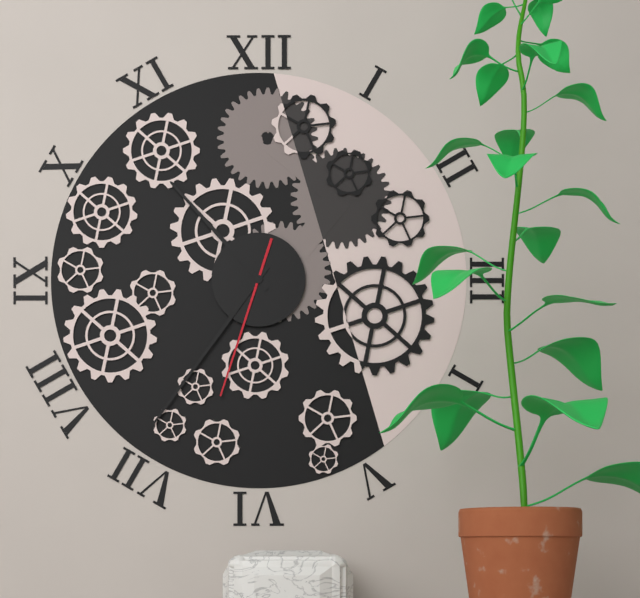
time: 10:36:33
